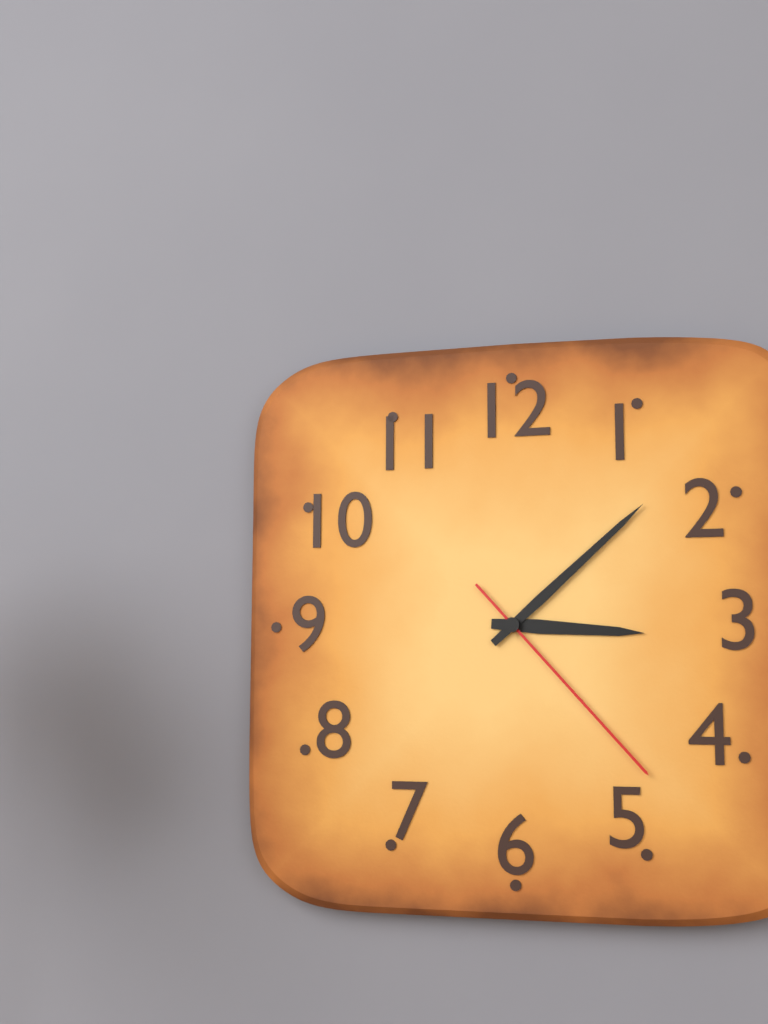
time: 3:08:23
